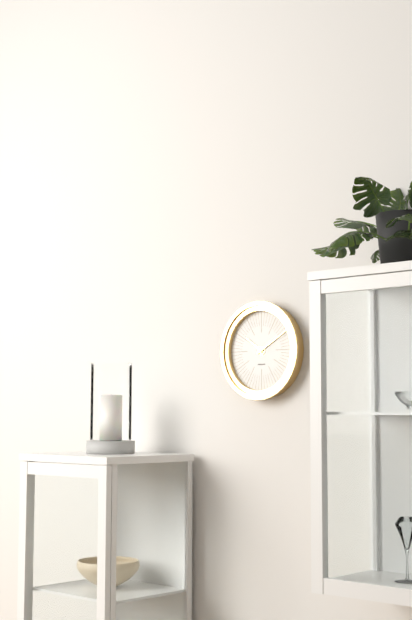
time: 10:10
